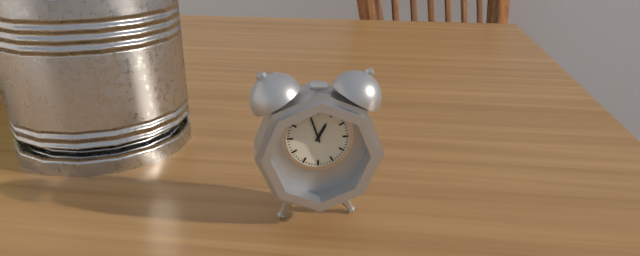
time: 12:57
